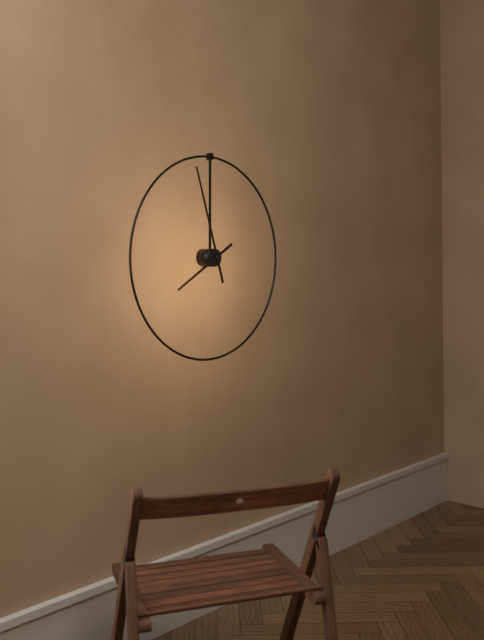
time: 7:57
